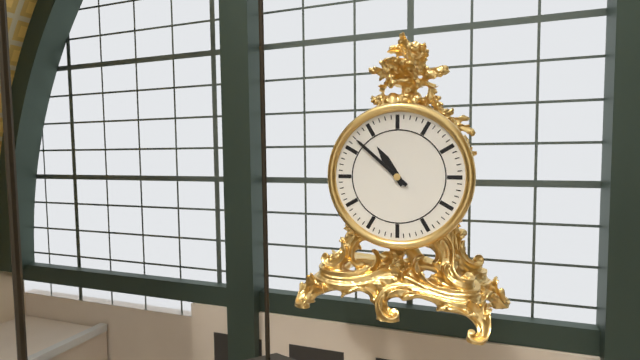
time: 10:52
